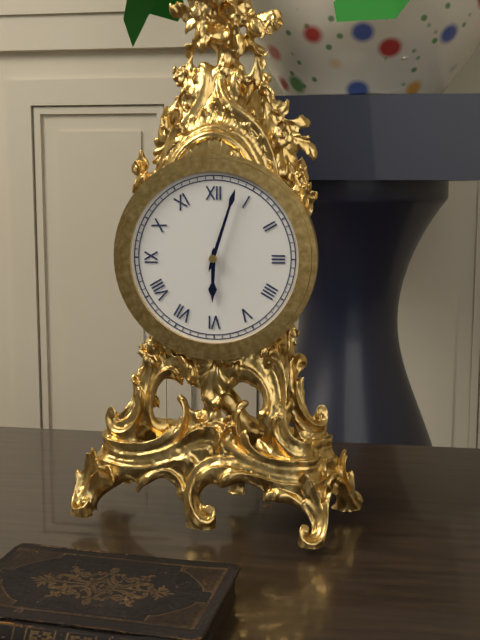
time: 6:03
